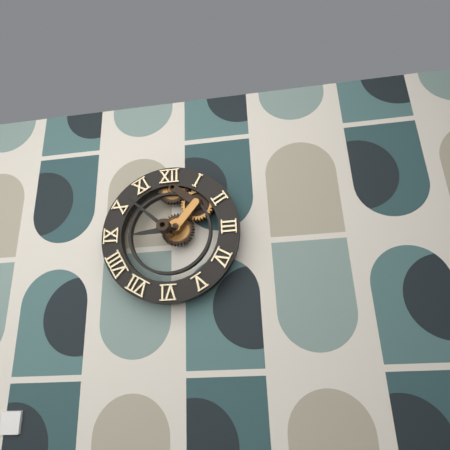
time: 8:52
